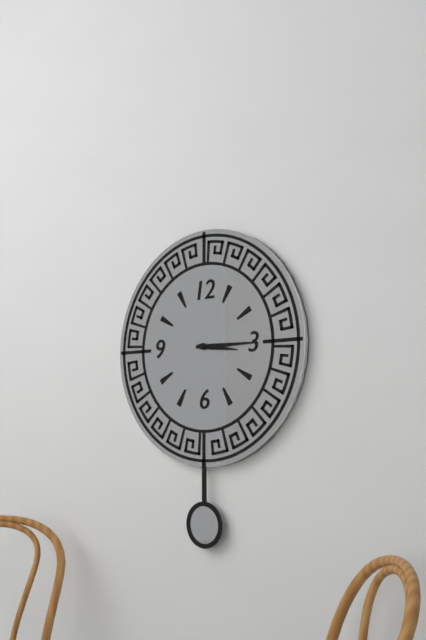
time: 3:15
